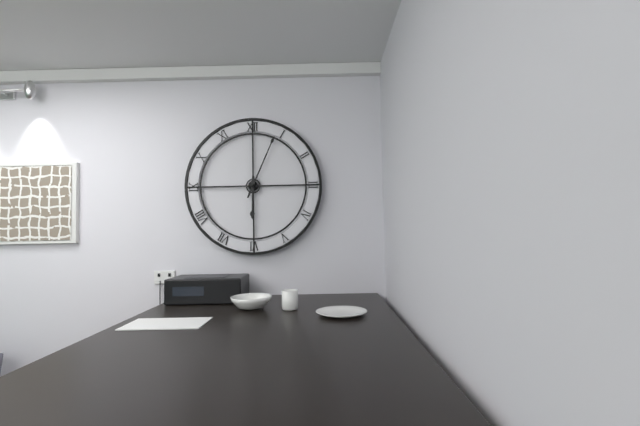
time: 6:04
